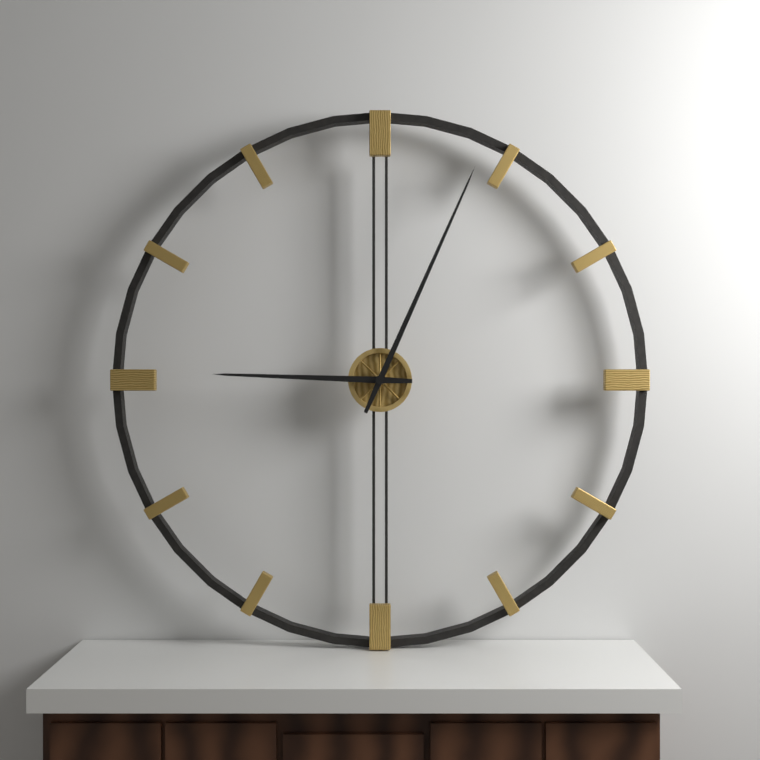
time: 9:04
